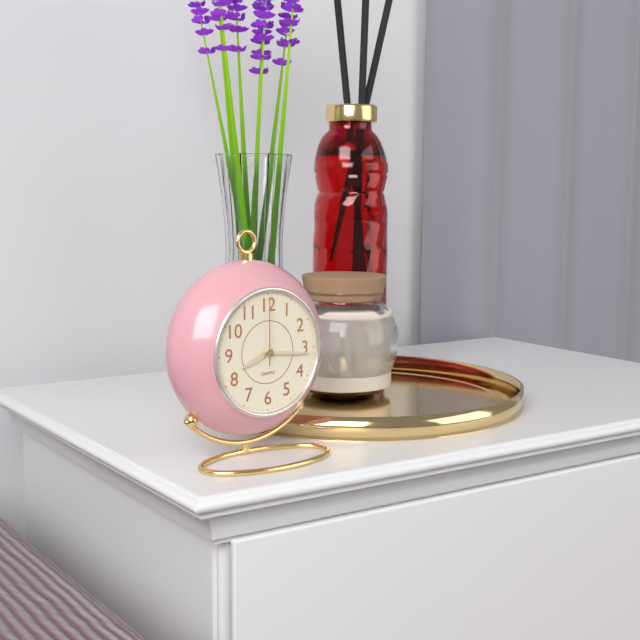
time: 8:16:00
